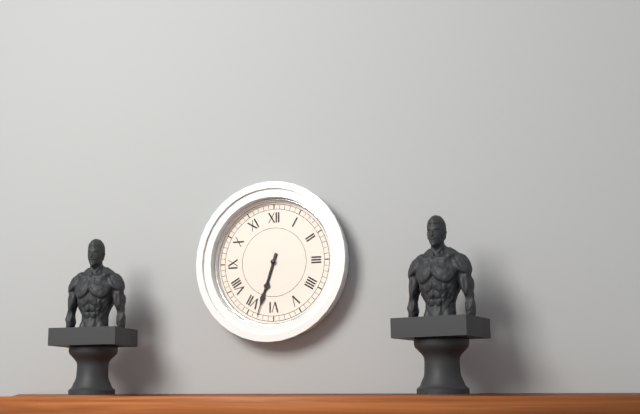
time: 6:33
